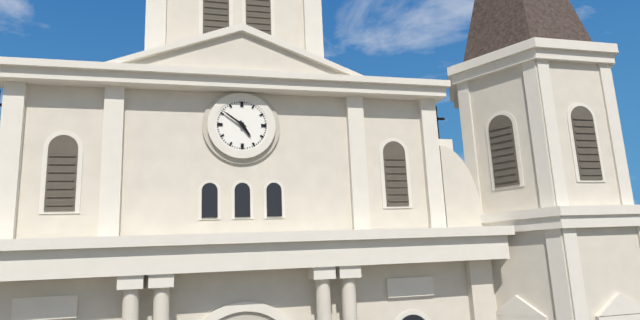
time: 4:51
